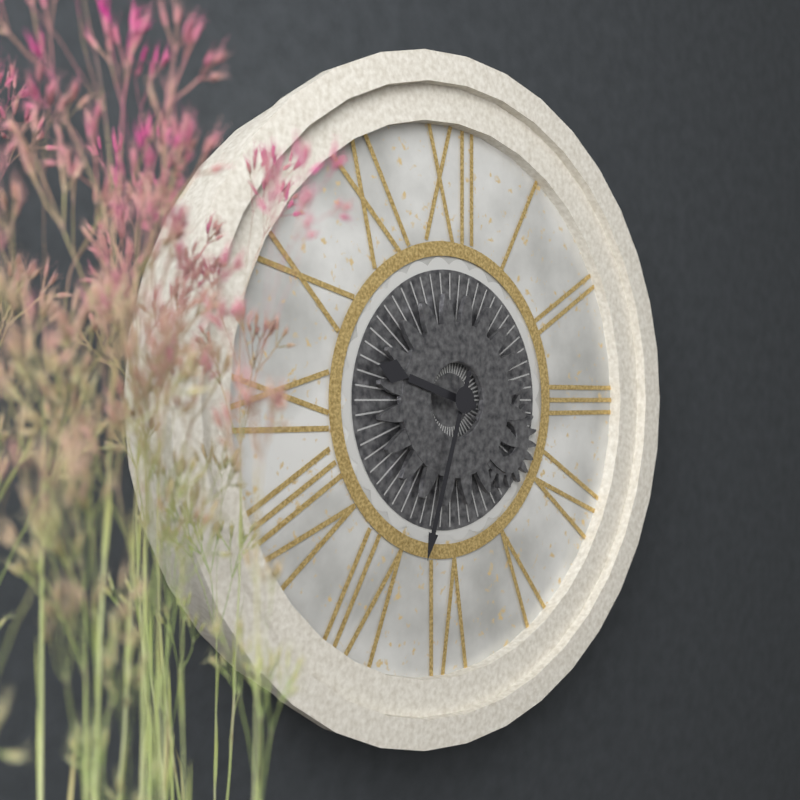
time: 9:33
